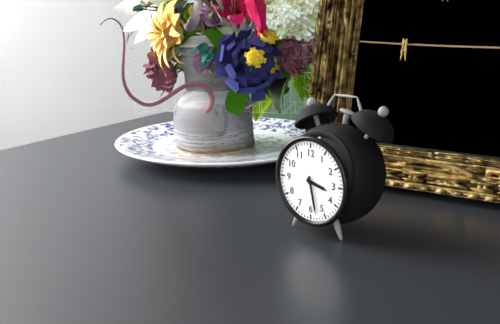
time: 3:28
